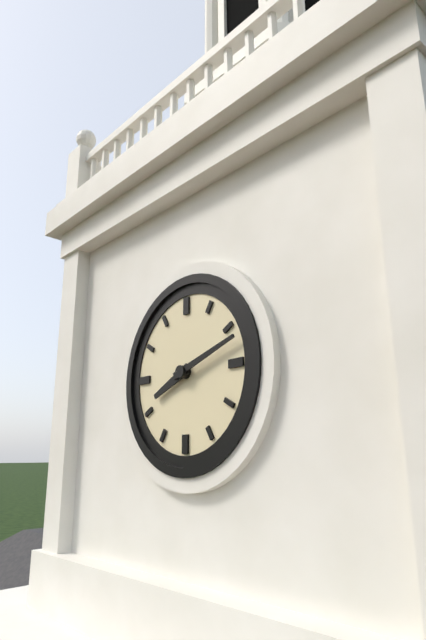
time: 8:12
